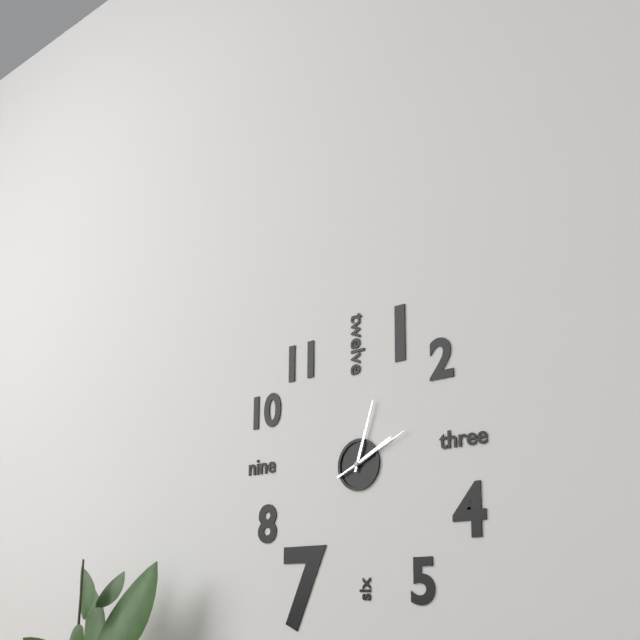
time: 2:03:11
